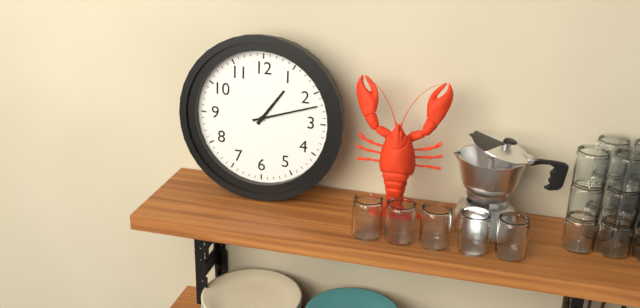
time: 1:12
